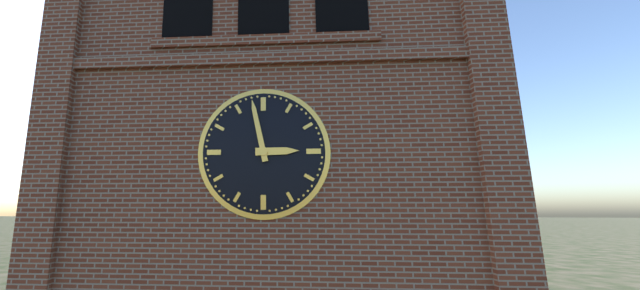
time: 2:58
